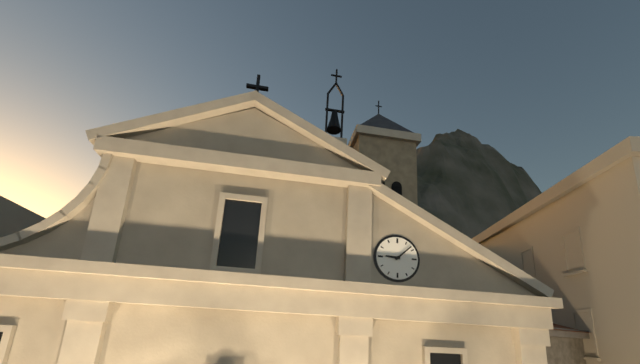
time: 9:08
